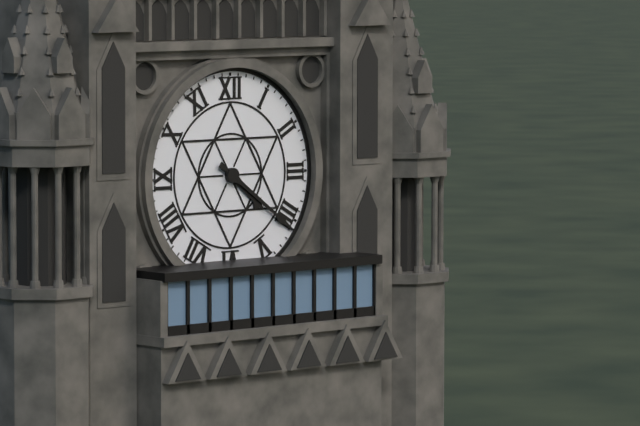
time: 4:21
